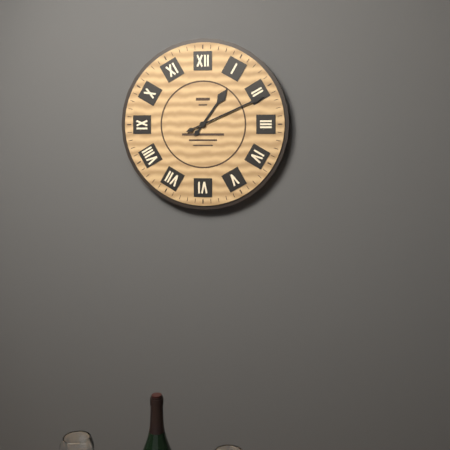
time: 1:11
